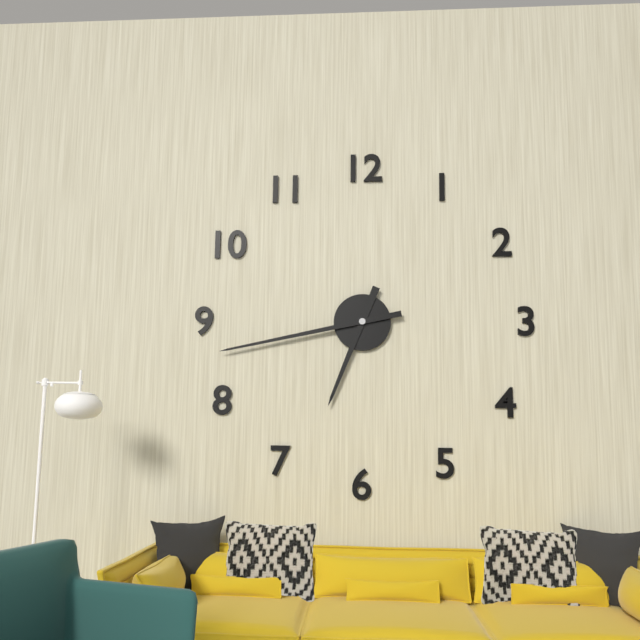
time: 6:43
